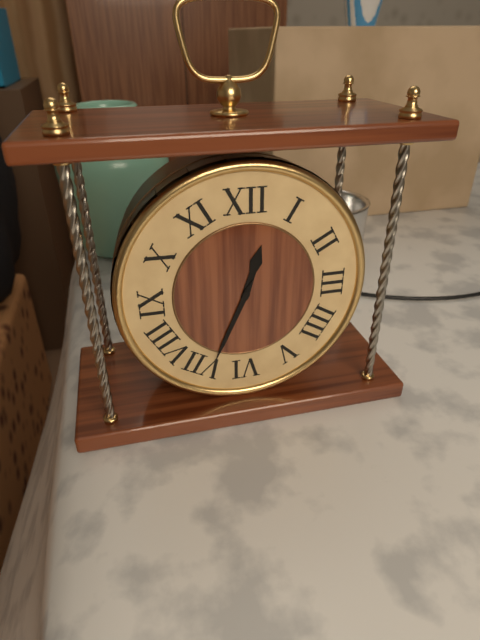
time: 12:34
